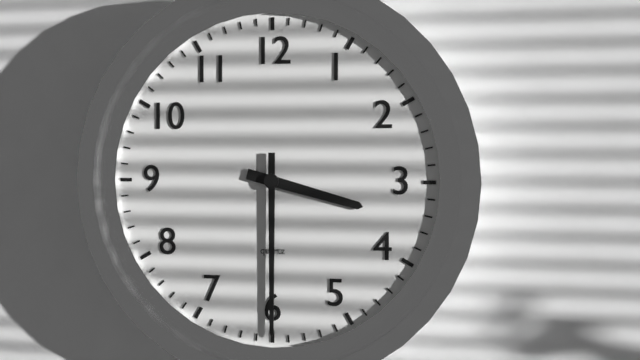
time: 3:30
